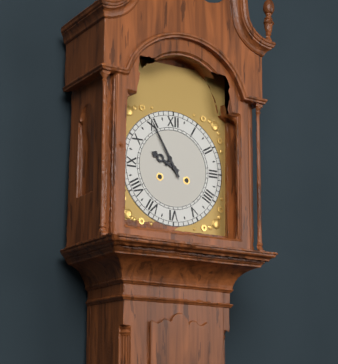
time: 9:55
